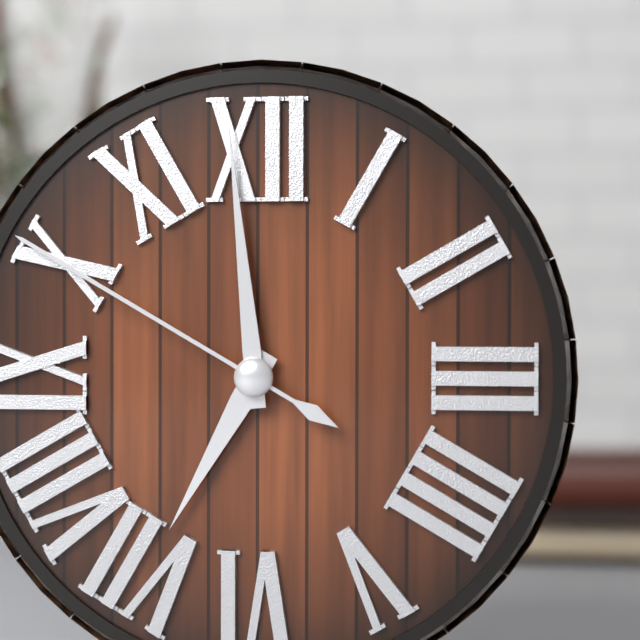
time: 6:59:50
